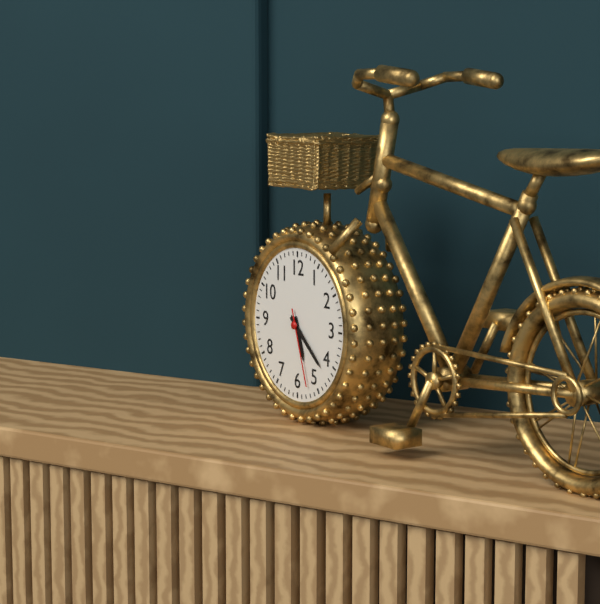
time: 5:22:27
